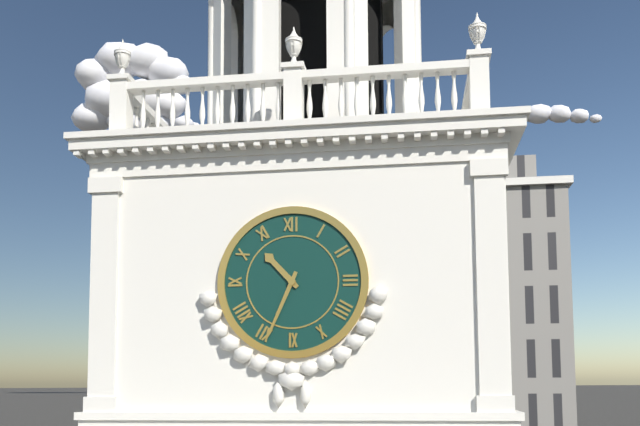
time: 10:34
